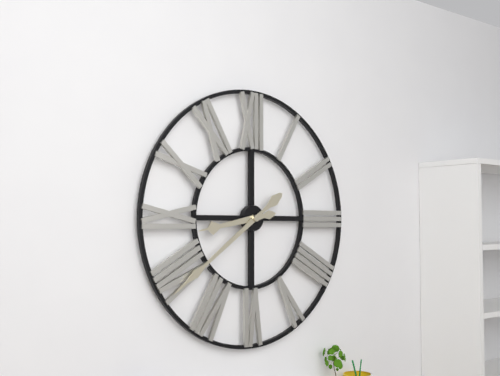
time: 8:39
